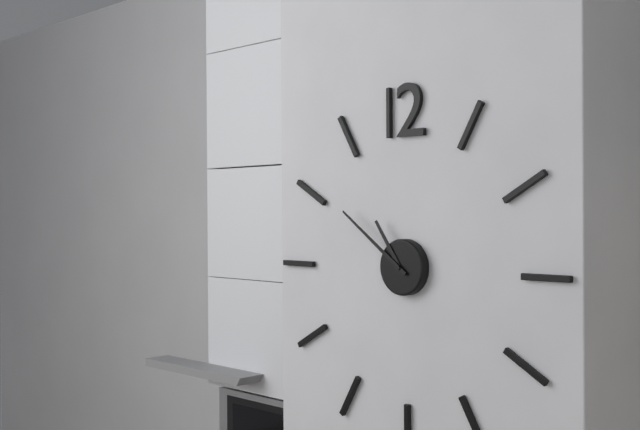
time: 10:51
